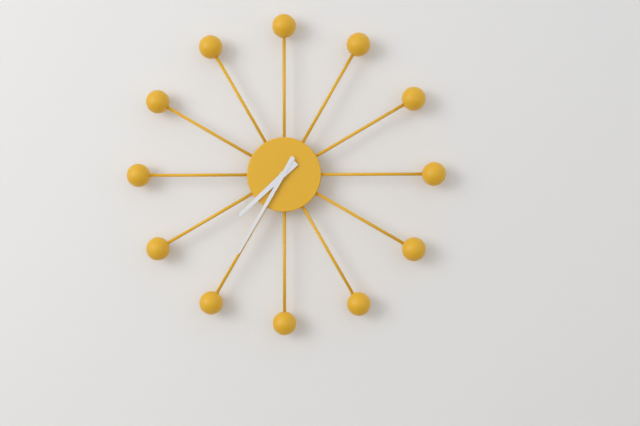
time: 7:35
